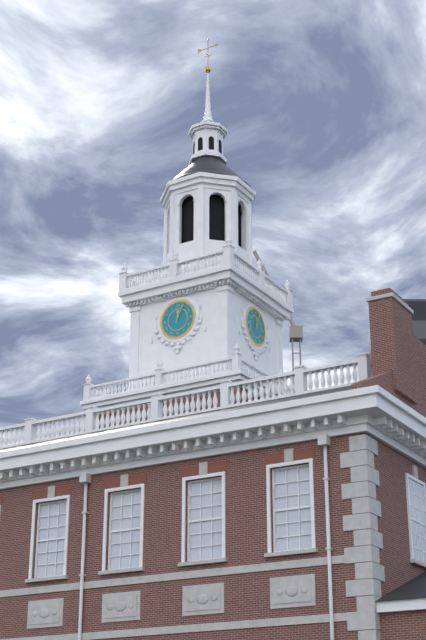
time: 12:04
